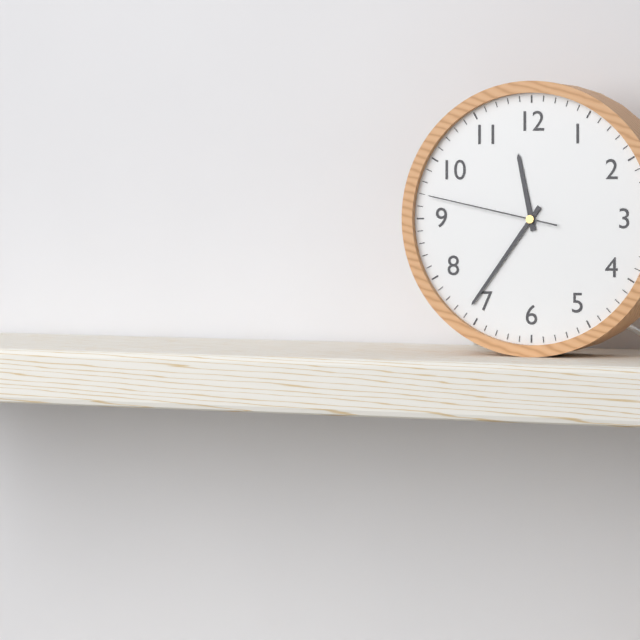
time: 11:36:47
